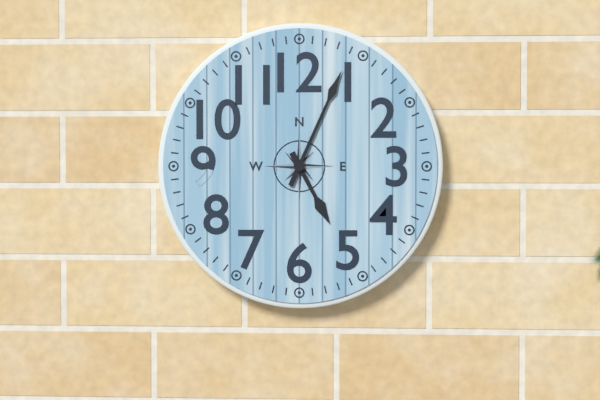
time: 5:04
